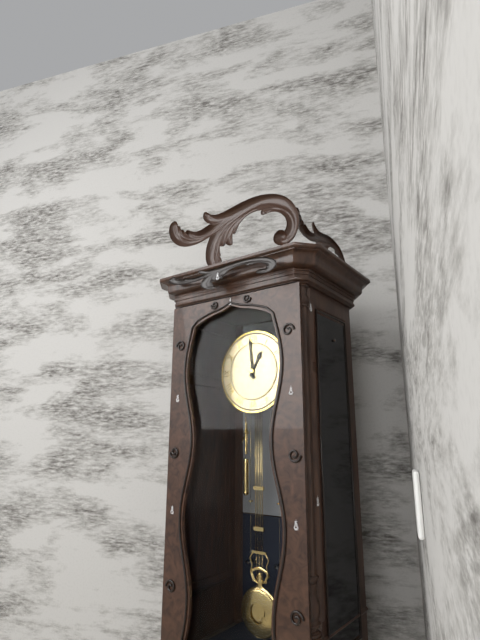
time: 12:59
